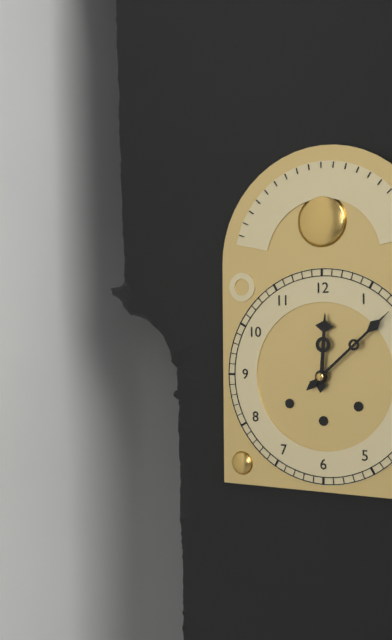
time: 12:08
